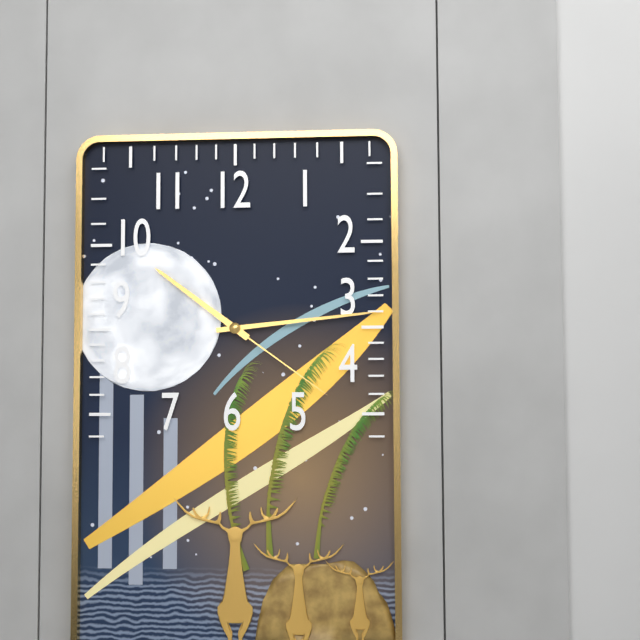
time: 10:14:21
